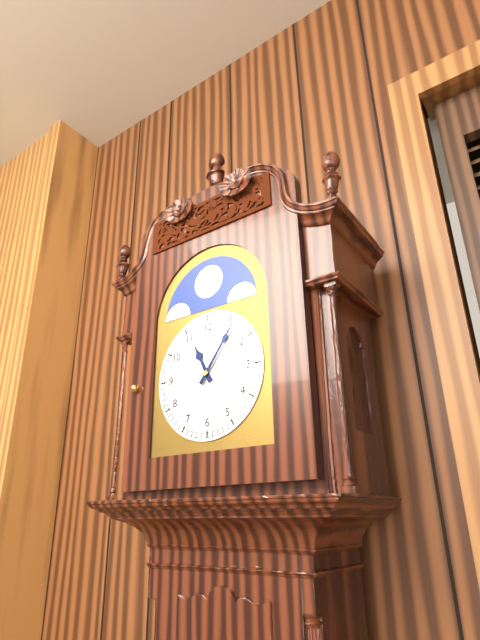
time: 11:06
